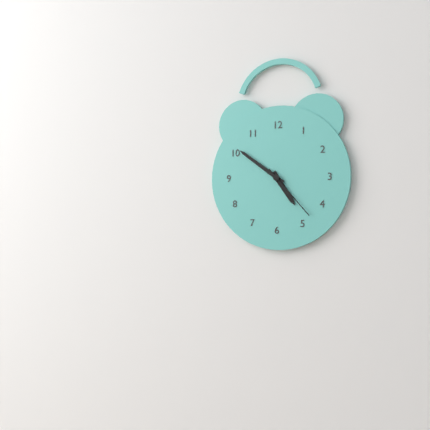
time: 4:51:23
